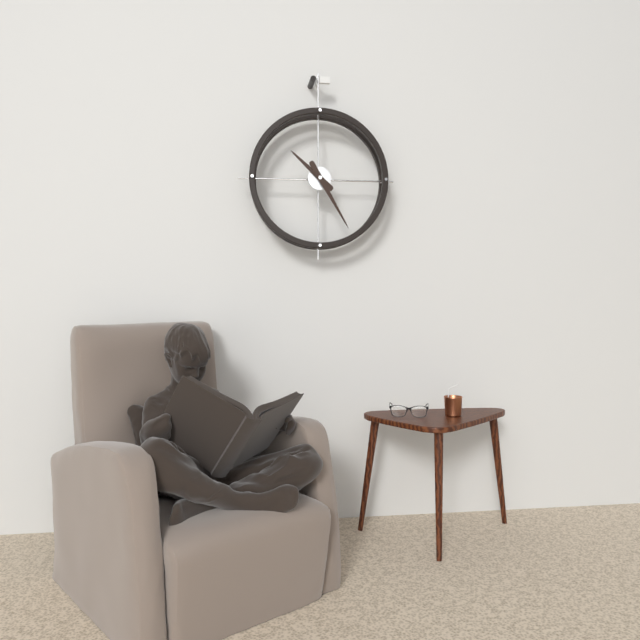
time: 10:25
